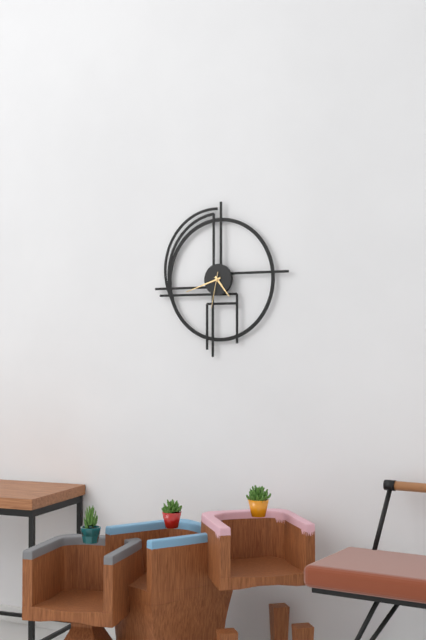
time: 4:42
